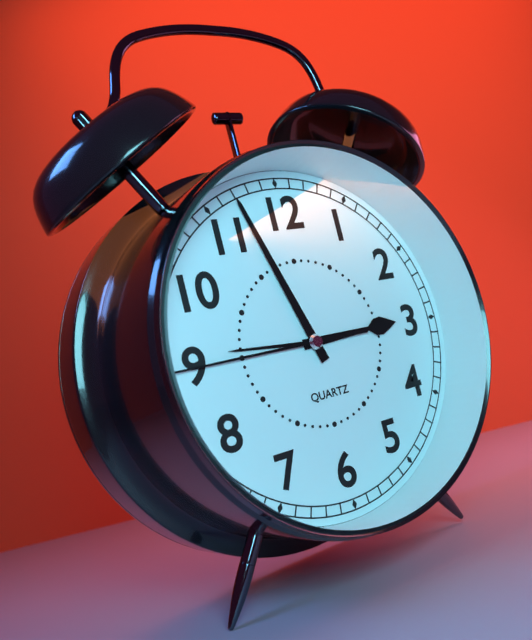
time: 2:57:45
